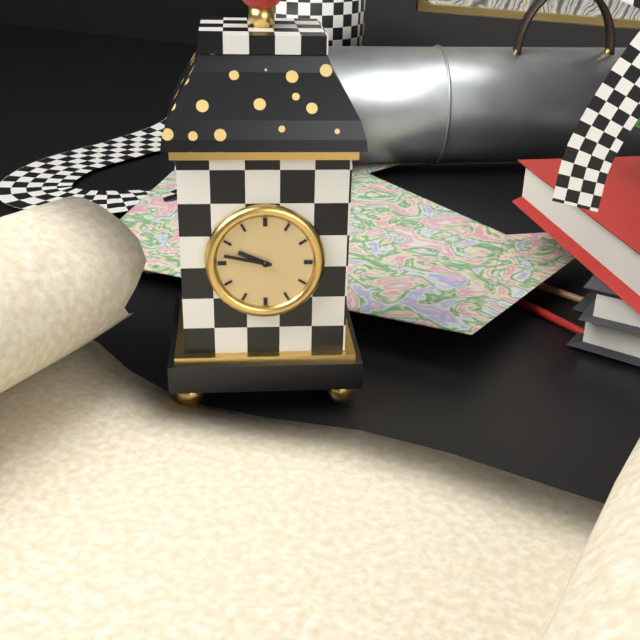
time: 9:47
